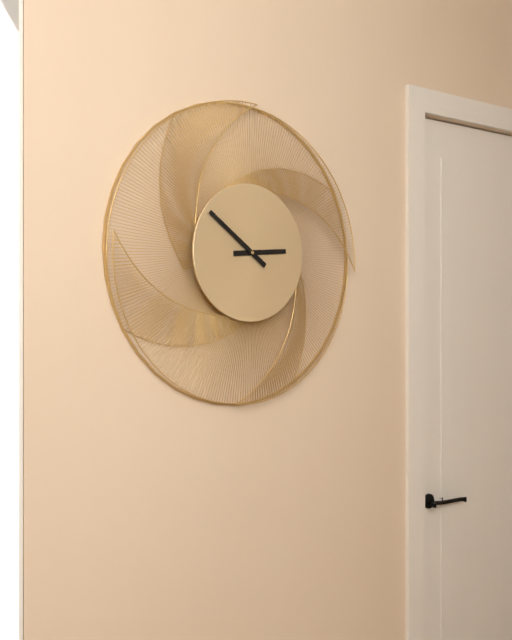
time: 2:51
